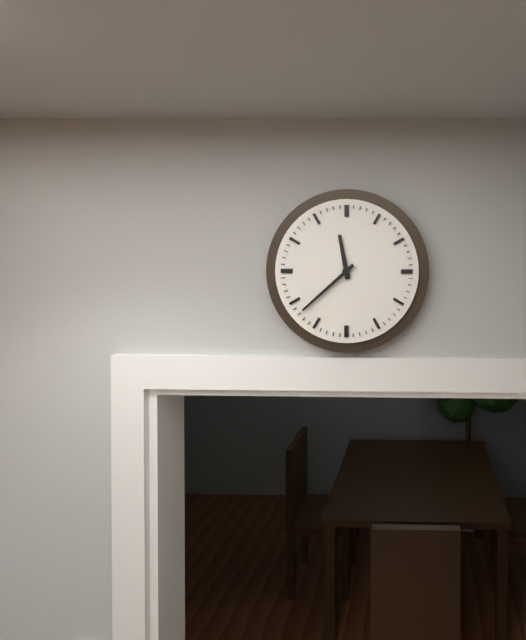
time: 11:38
